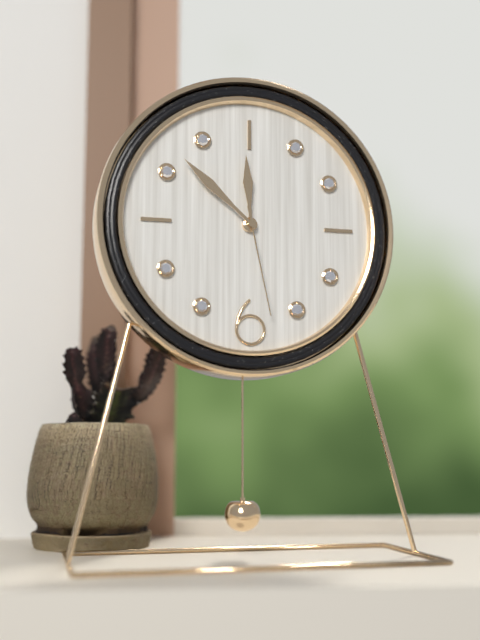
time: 11:52:28
